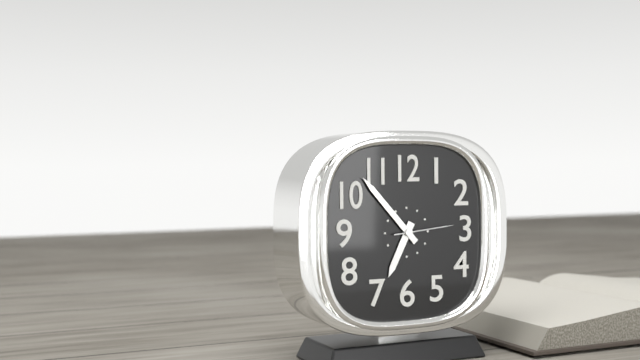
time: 6:53:14
